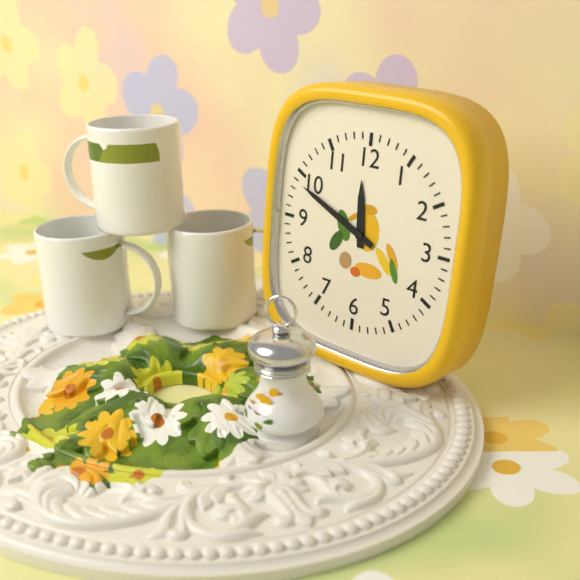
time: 11:49
